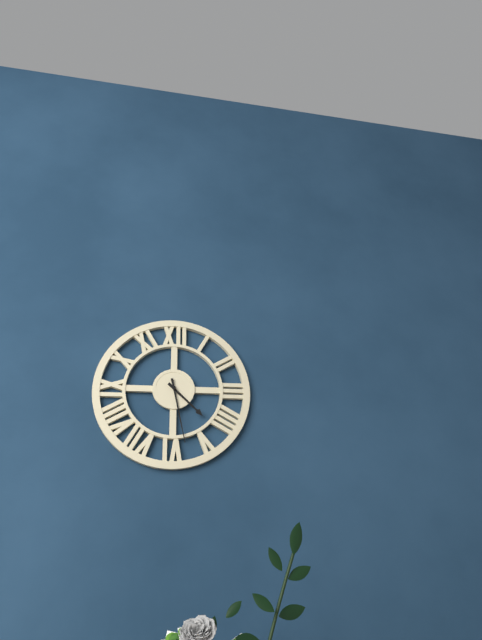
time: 4:28
